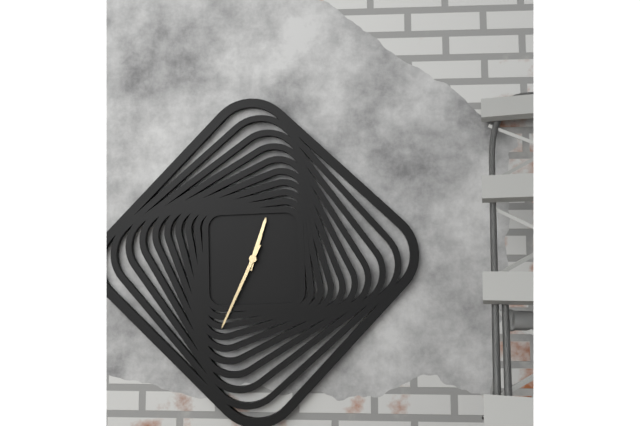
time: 12:34
